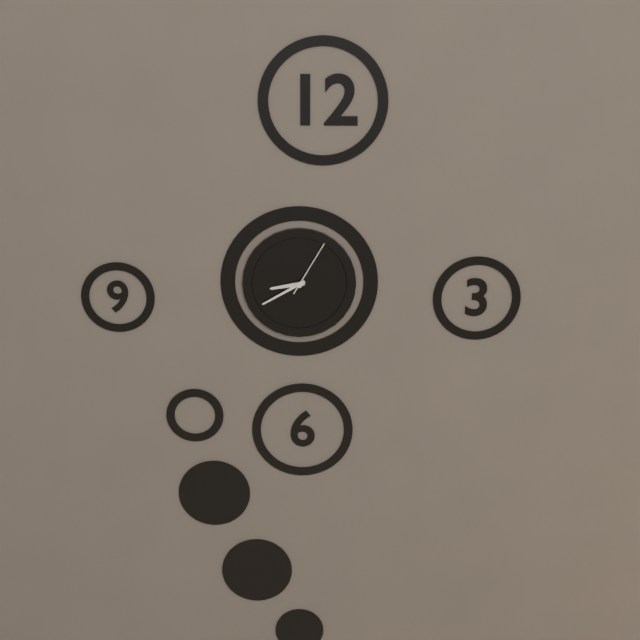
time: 8:40:05
